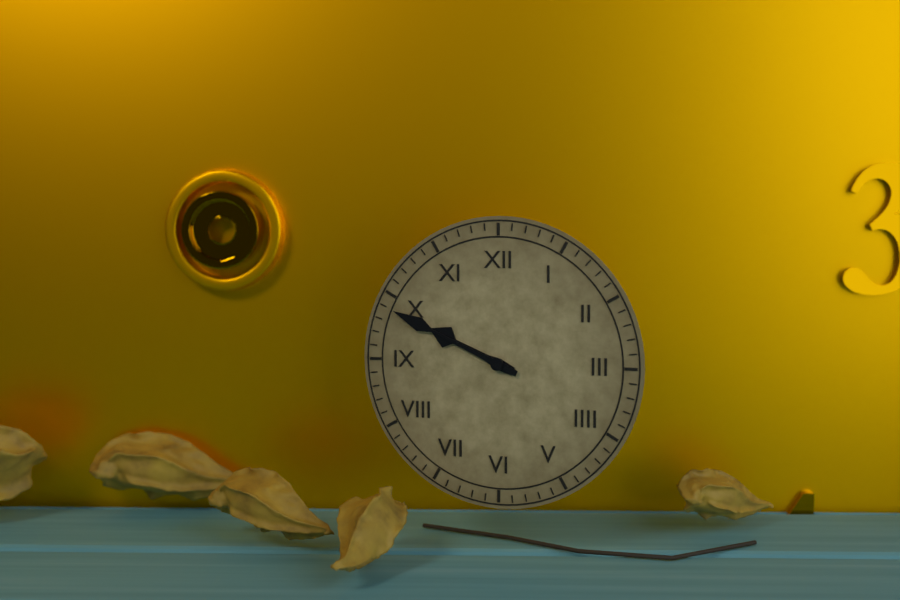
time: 9:49
